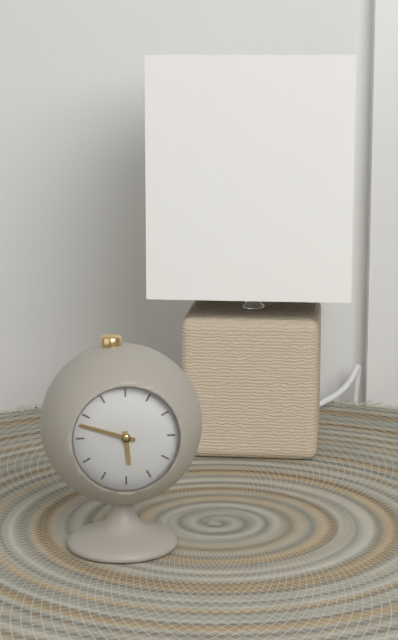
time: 5:48
